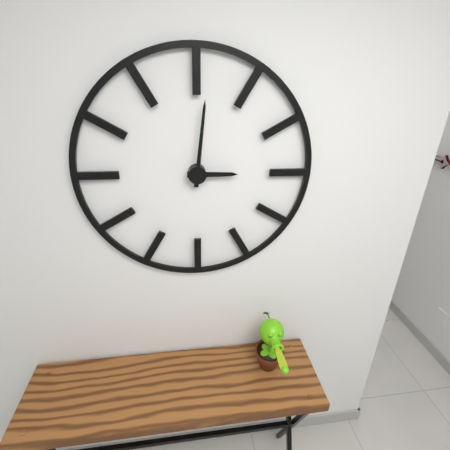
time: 3:01
